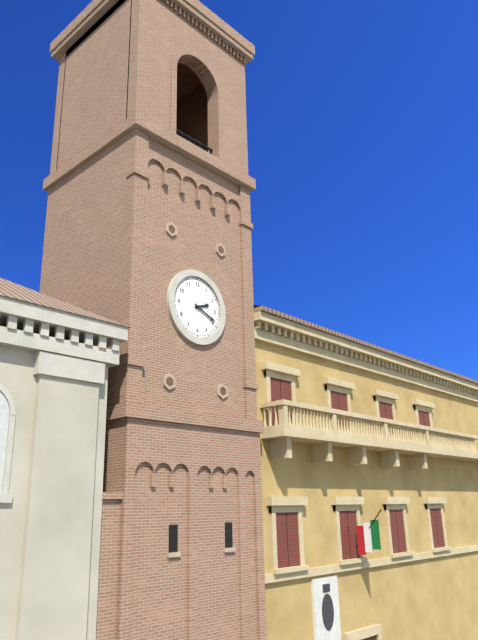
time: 2:19
